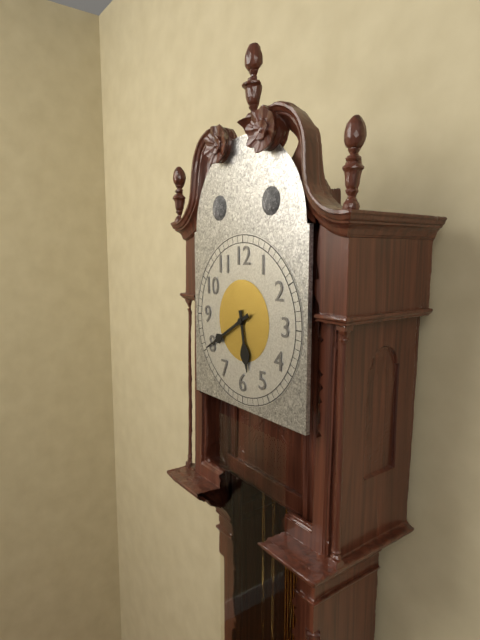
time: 5:40
